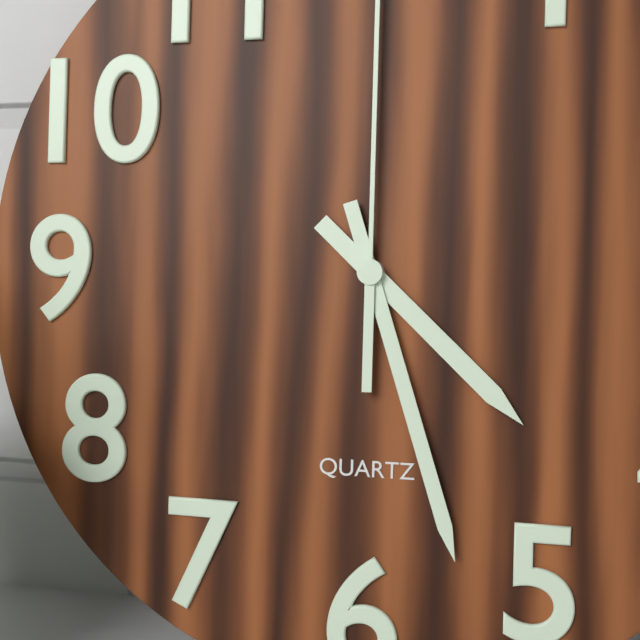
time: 4:27
